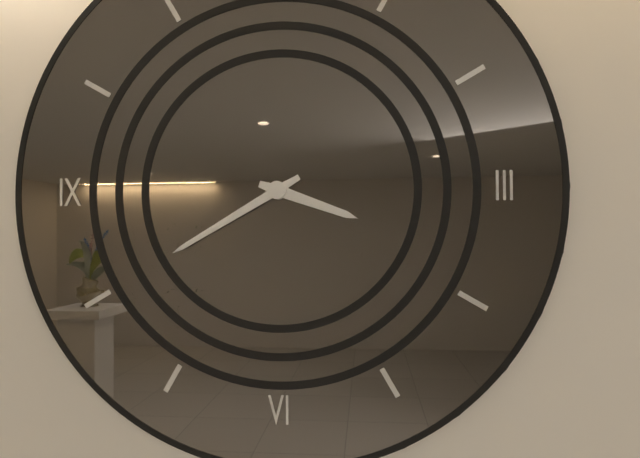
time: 3:40
